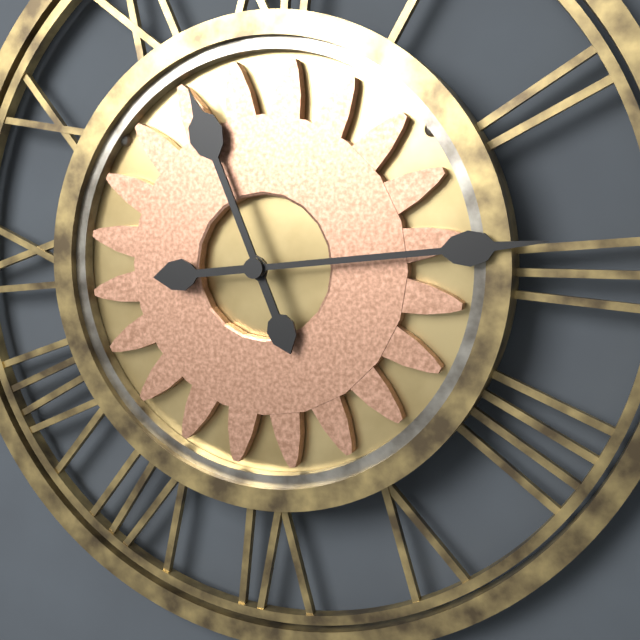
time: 11:14
